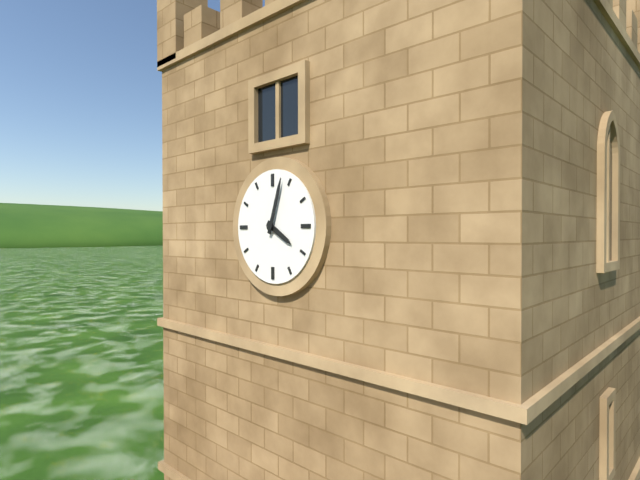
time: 4:03
